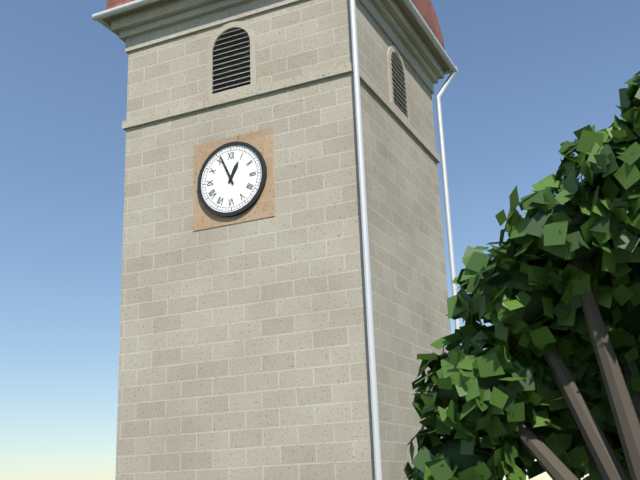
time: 12:56
